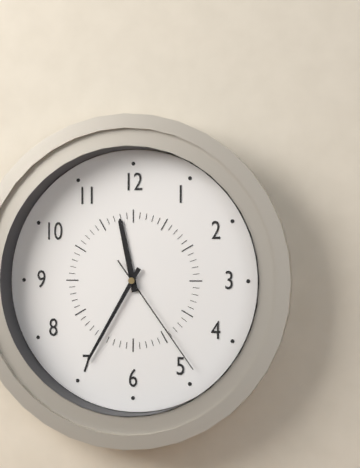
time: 11:35:24
